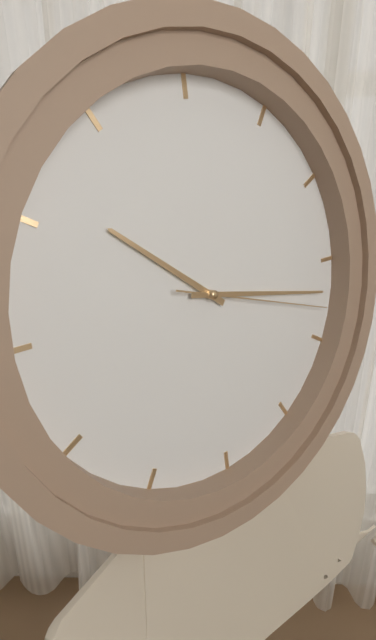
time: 10:17:18
